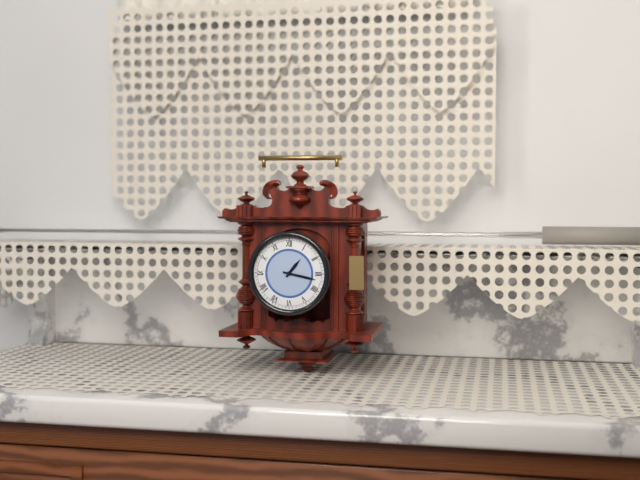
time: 1:17
